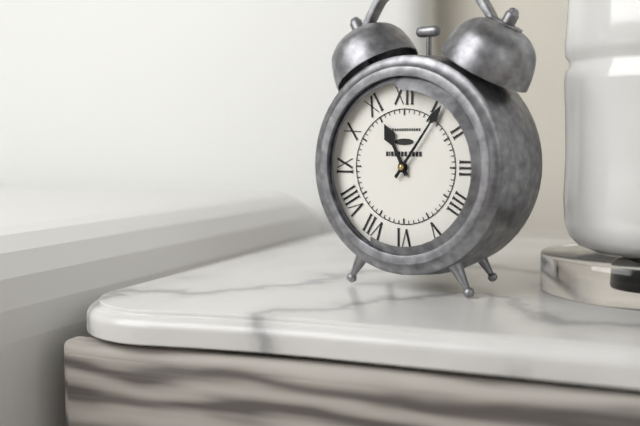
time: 11:06
